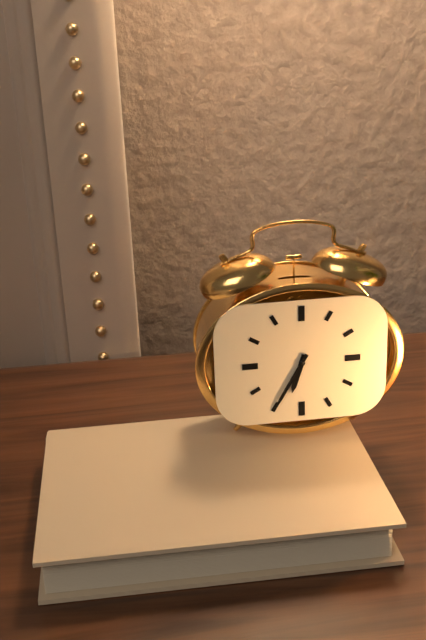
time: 6:35
